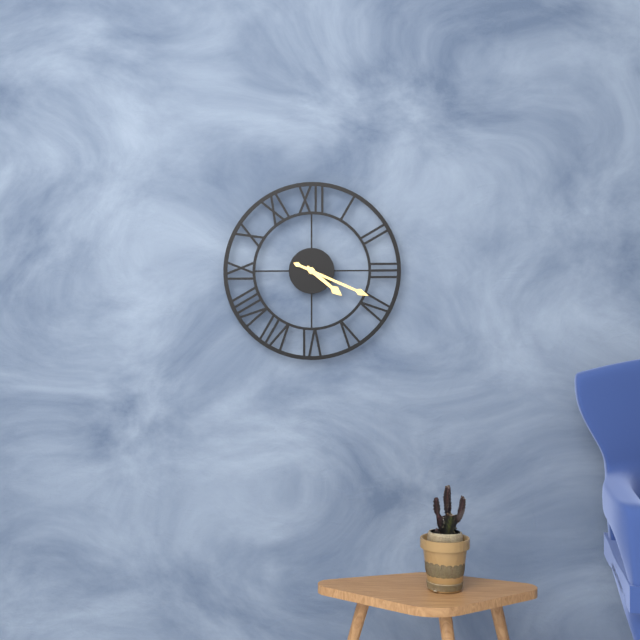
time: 4:19
